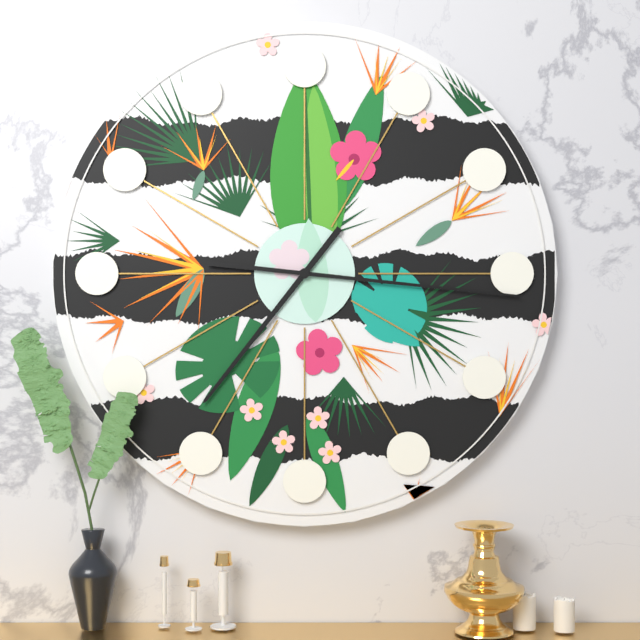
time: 7:16
